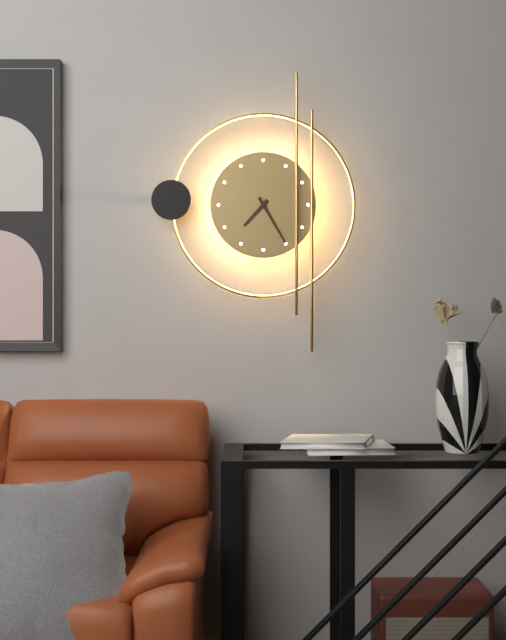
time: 7:25
